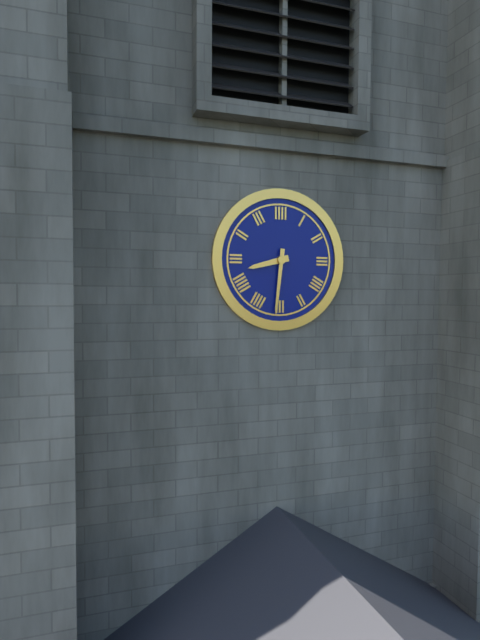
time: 8:31
